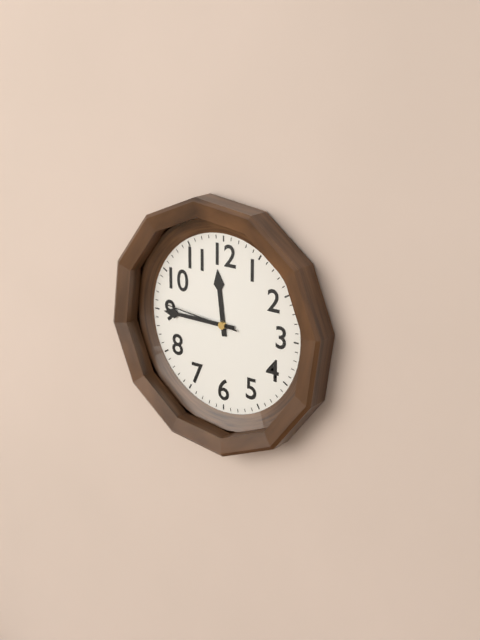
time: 11:45:46
